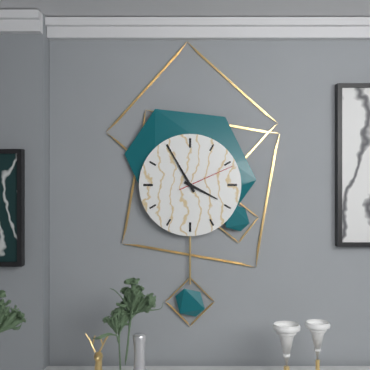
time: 3:55:11
